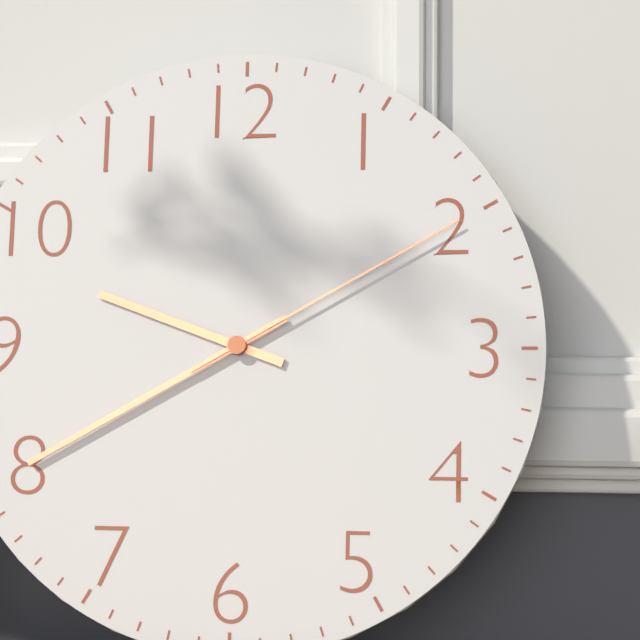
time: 9:40:10
